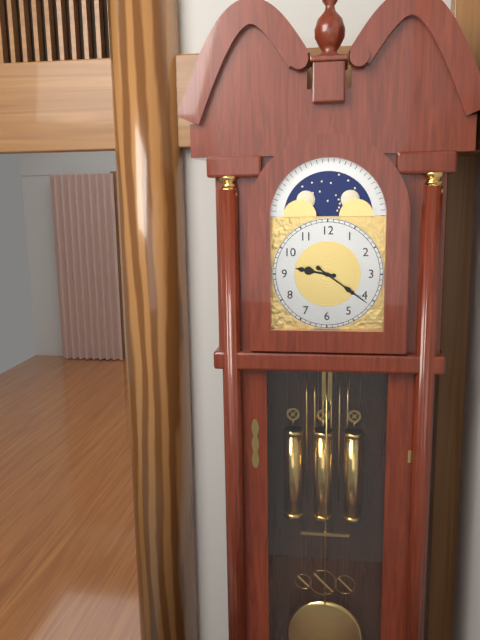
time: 9:21
